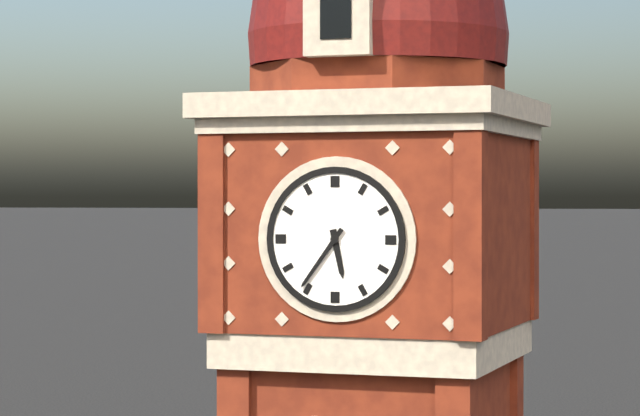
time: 5:36
